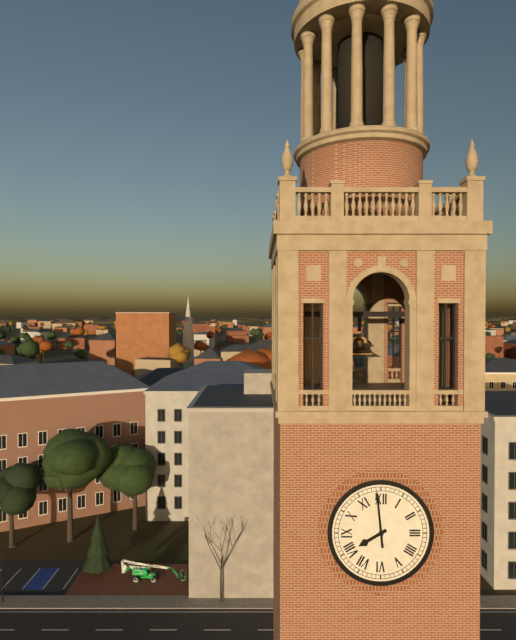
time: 7:59
